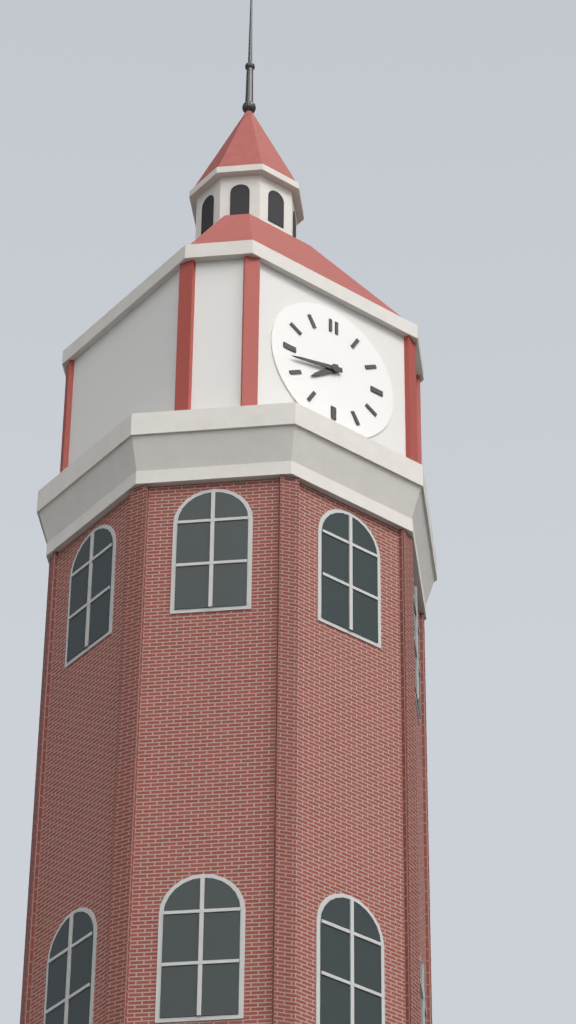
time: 7:43
